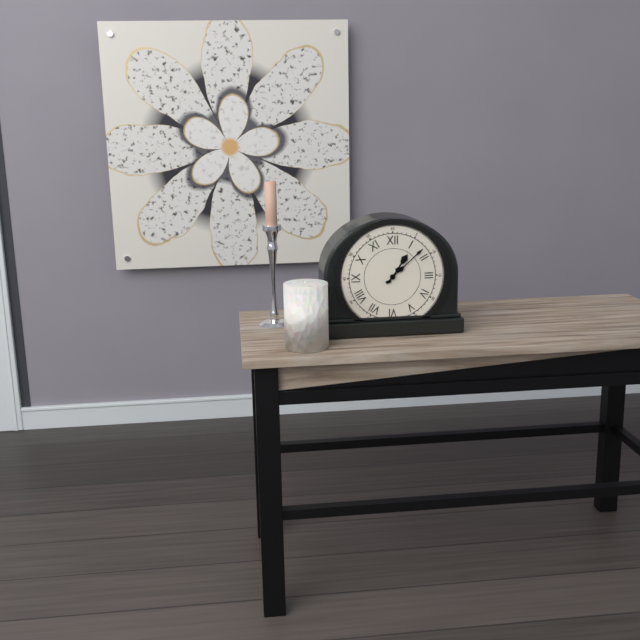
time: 1:08
